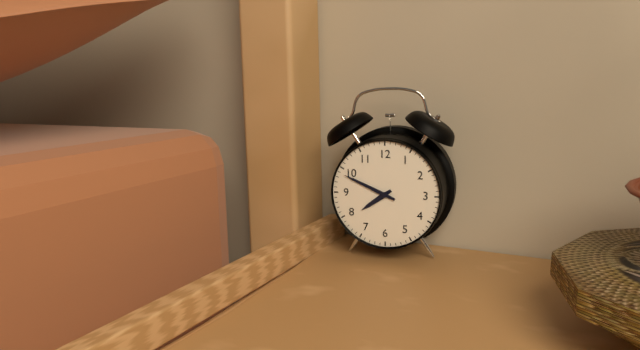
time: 7:49
